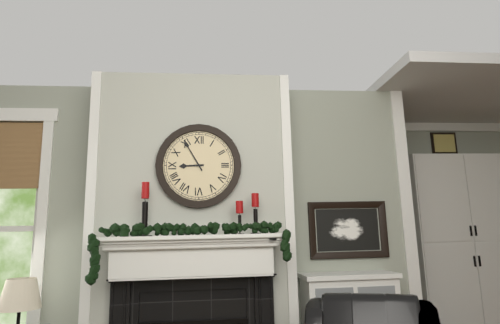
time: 8:55
